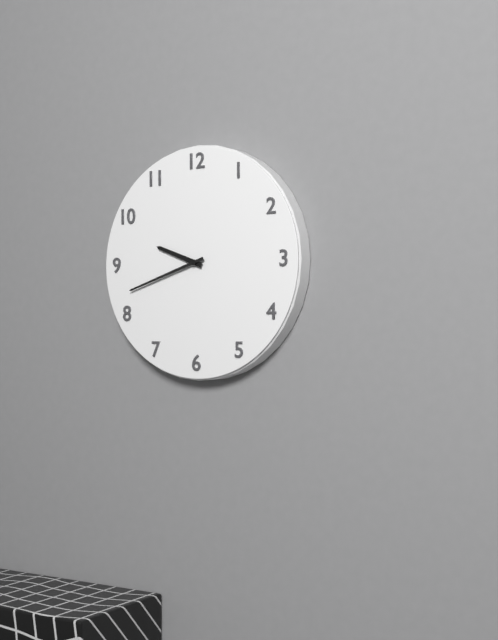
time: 9:42
